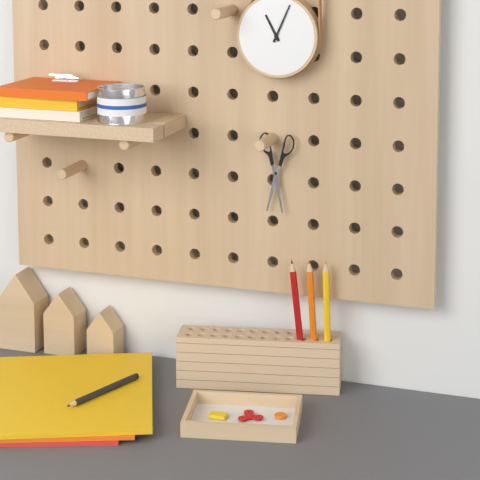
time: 11:04
